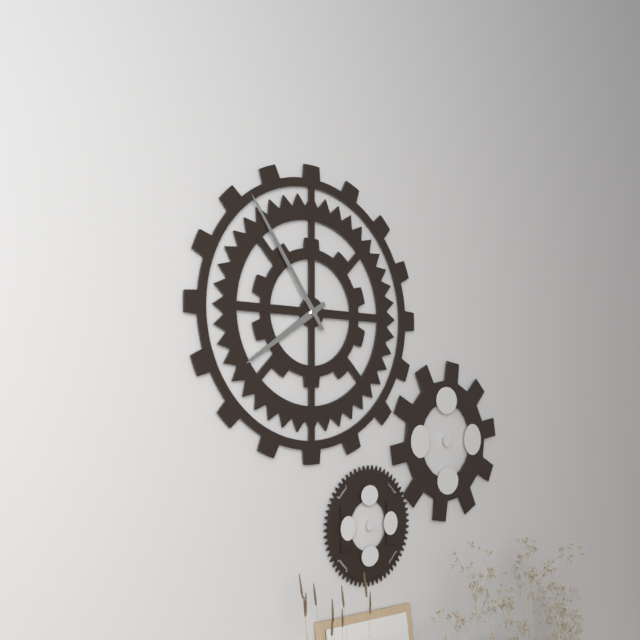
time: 7:54
